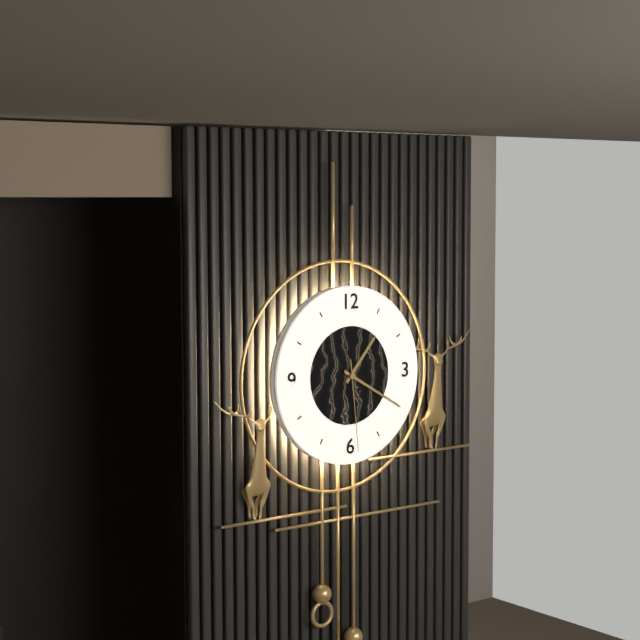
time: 1:20:29
